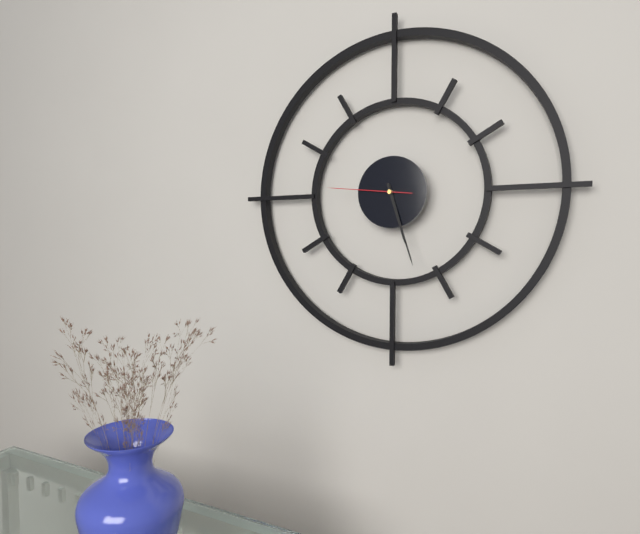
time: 5:27:46
